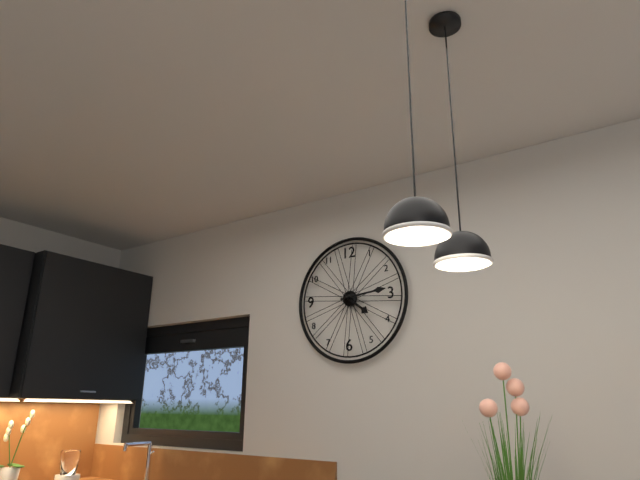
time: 4:14
